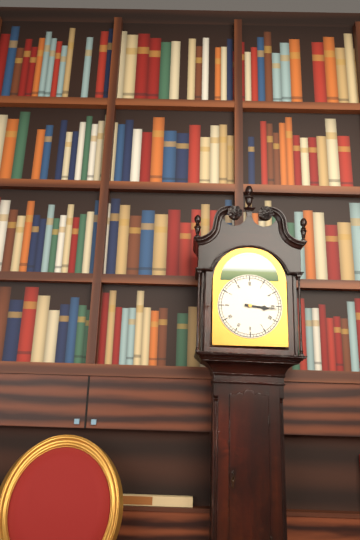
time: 3:16
